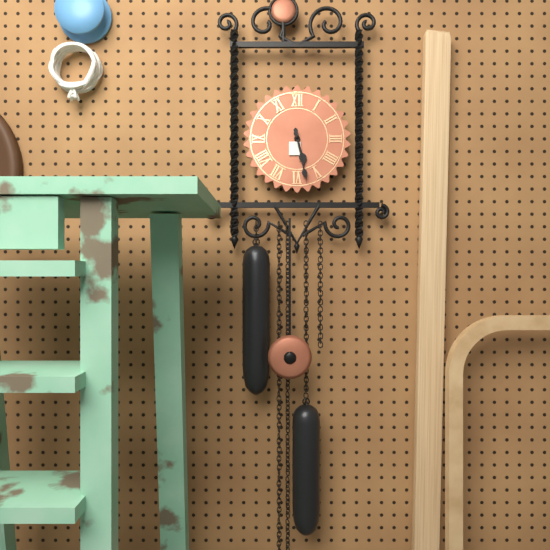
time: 5:28
